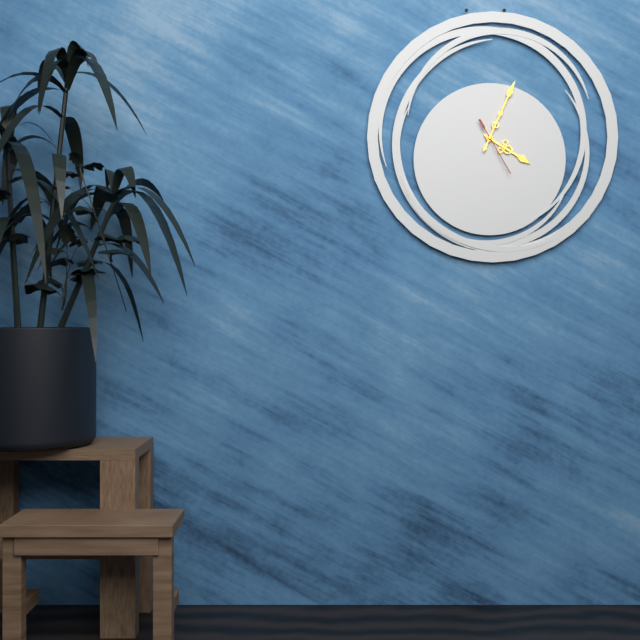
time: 4:04:25
